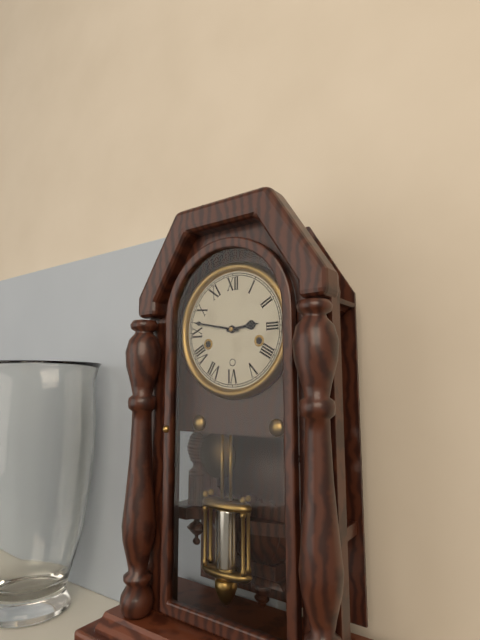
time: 2:47
